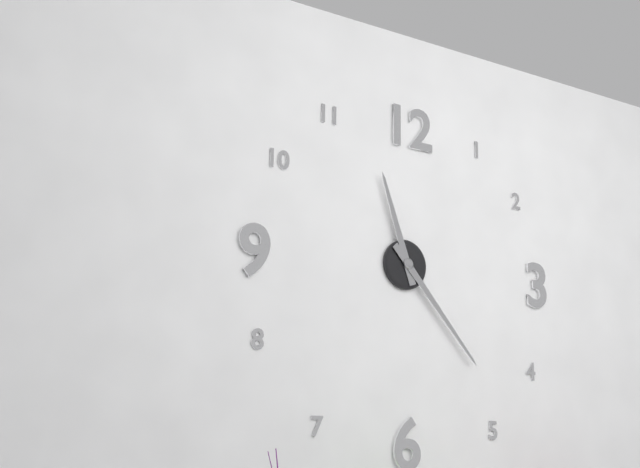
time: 11:23
